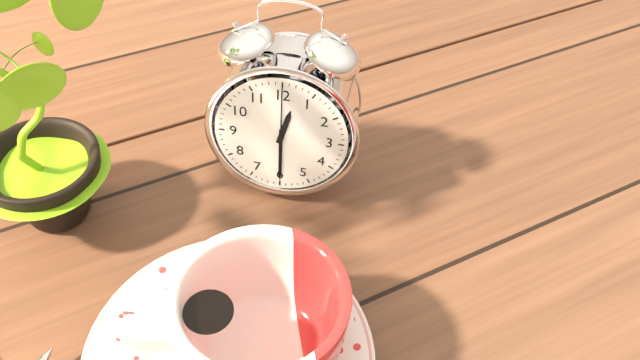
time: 12:30:00
